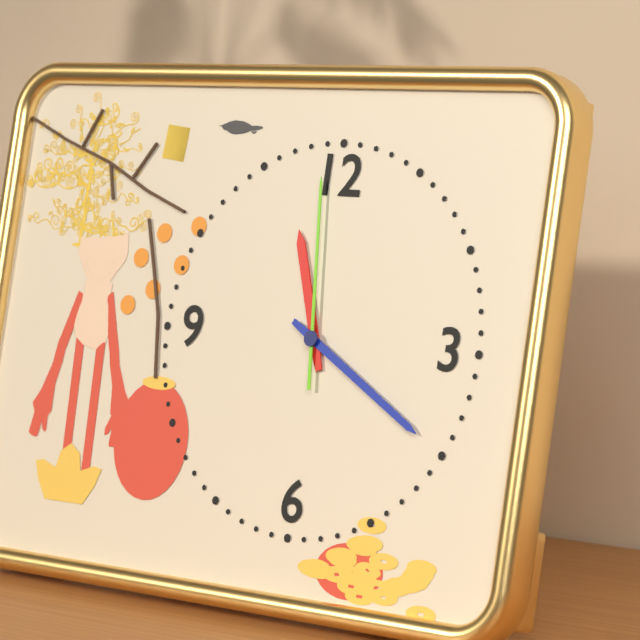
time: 11:20:59
